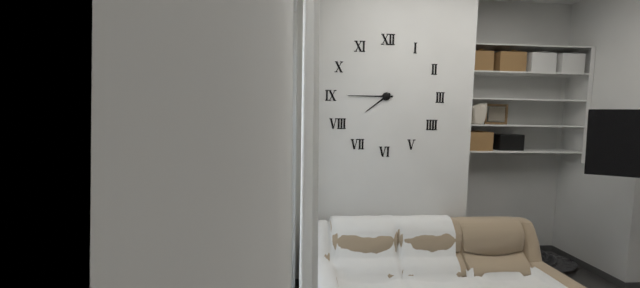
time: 7:45
